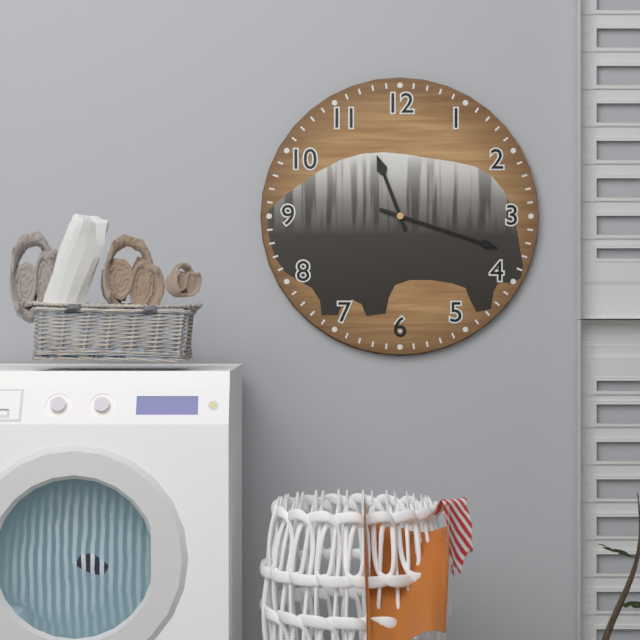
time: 11:18
